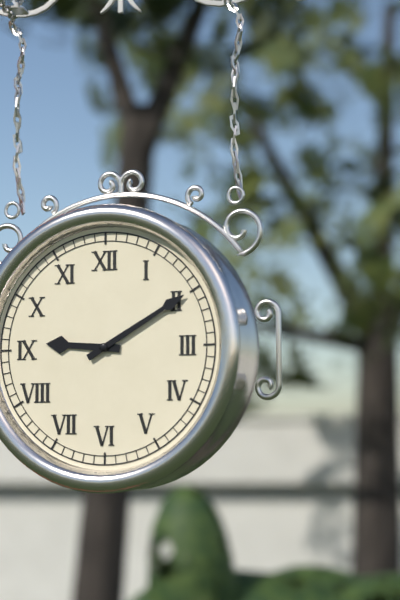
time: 9:10
